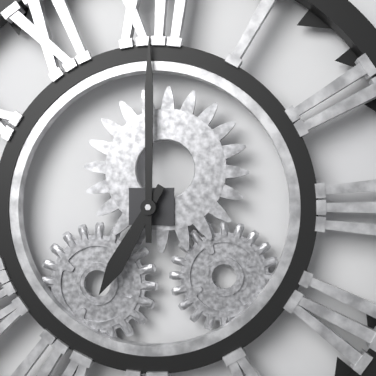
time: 7:00
